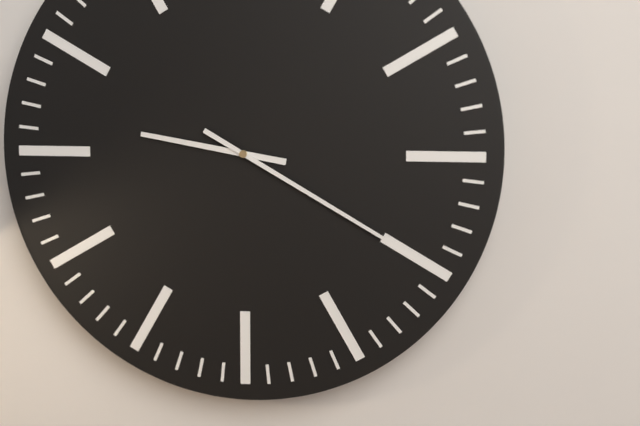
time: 9:20
